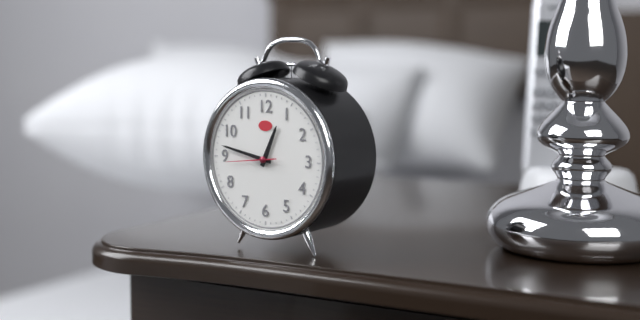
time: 12:47
